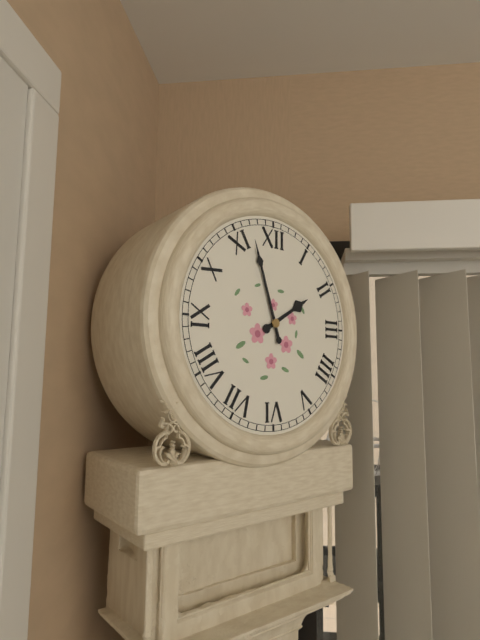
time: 1:57
